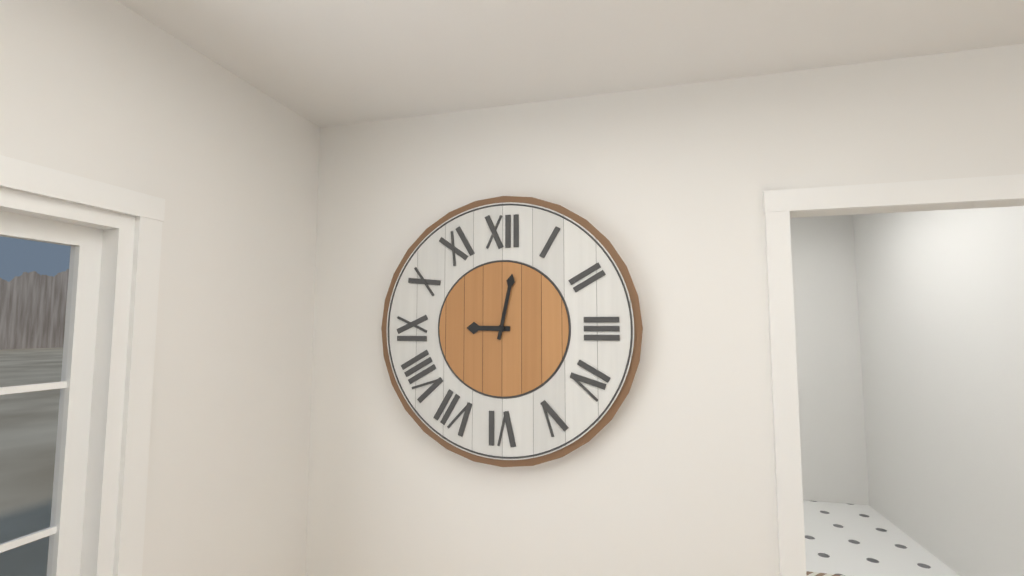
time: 9:02
